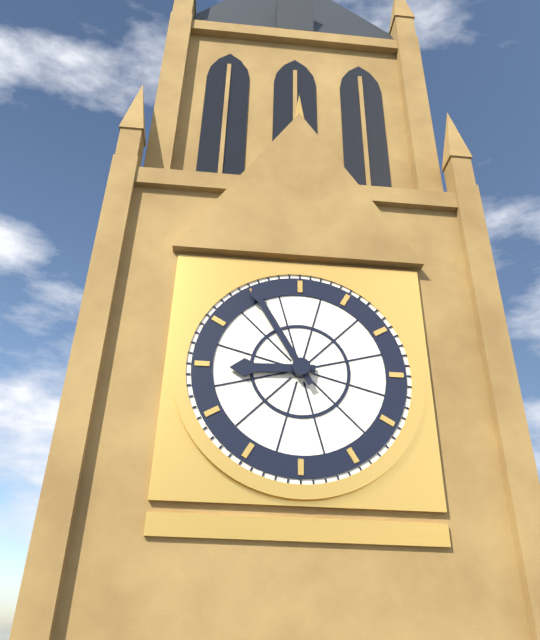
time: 8:55
